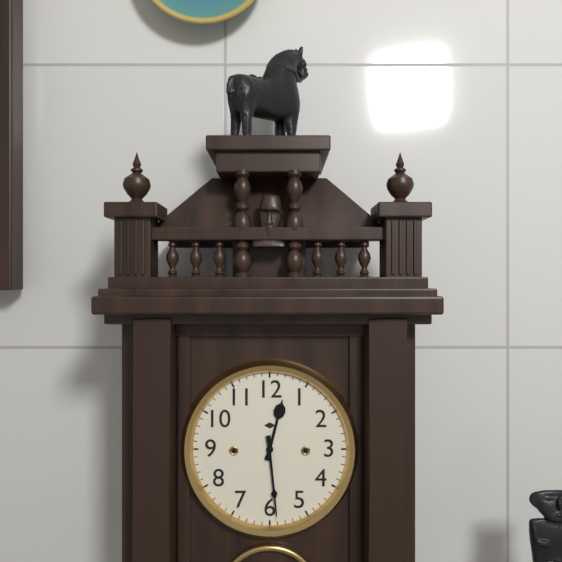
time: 12:29
